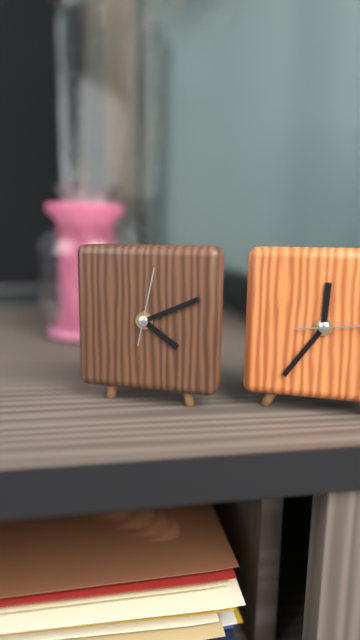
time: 4:11:02
